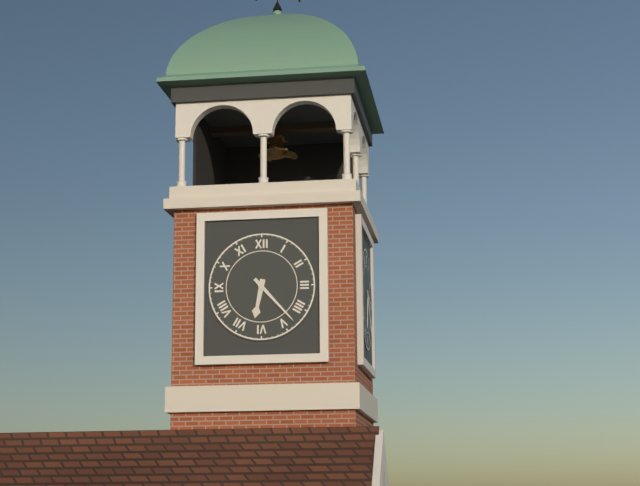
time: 6:23
